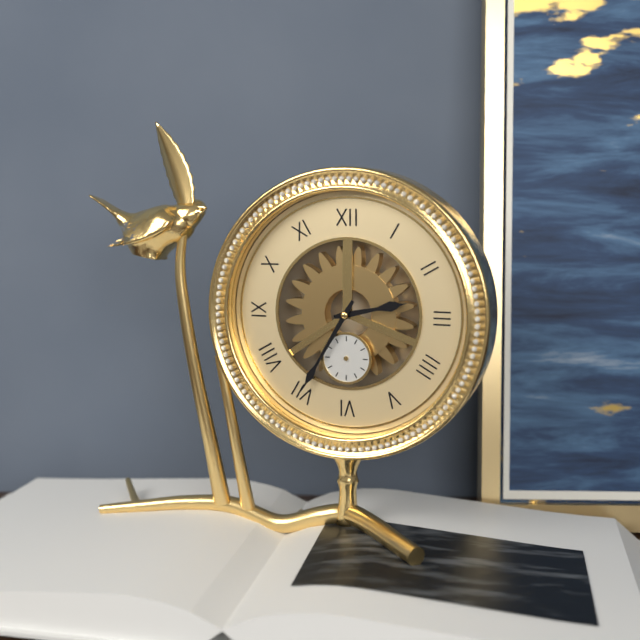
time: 2:35
